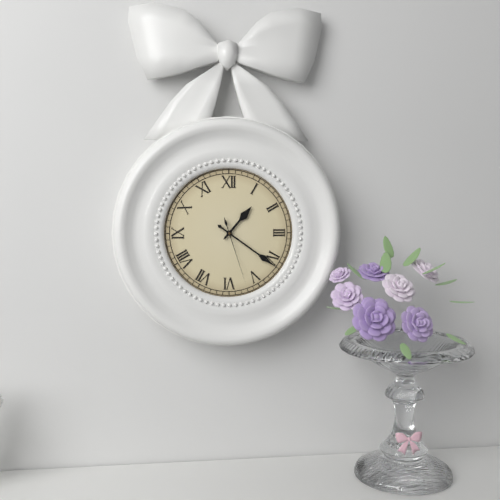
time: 1:21:27
